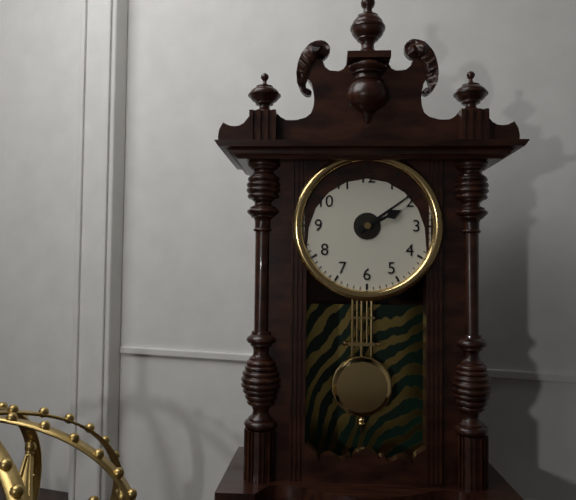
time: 2:09
